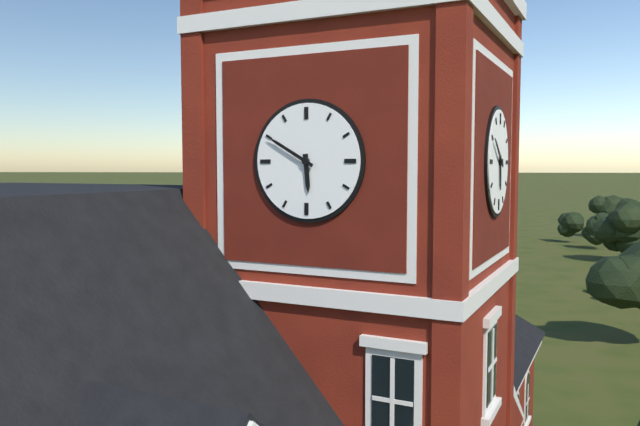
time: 5:50
